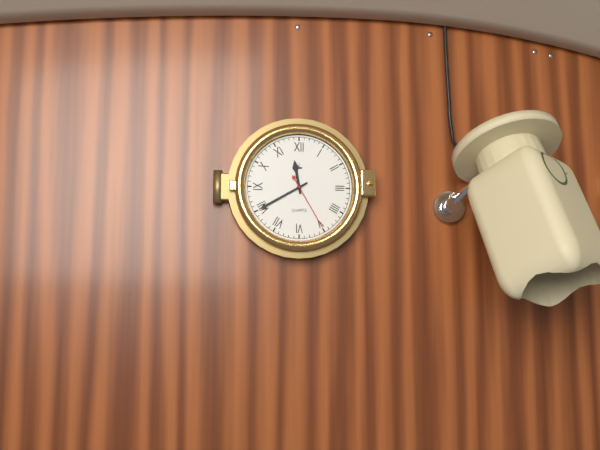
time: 11:40:25
